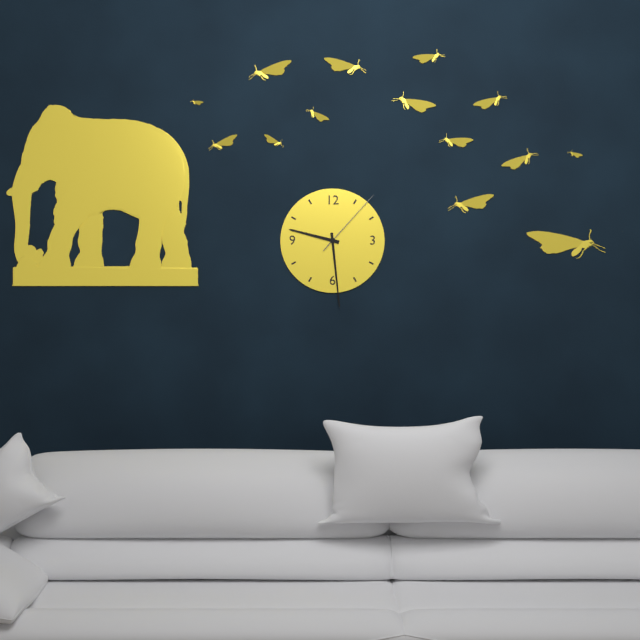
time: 9:29:07
